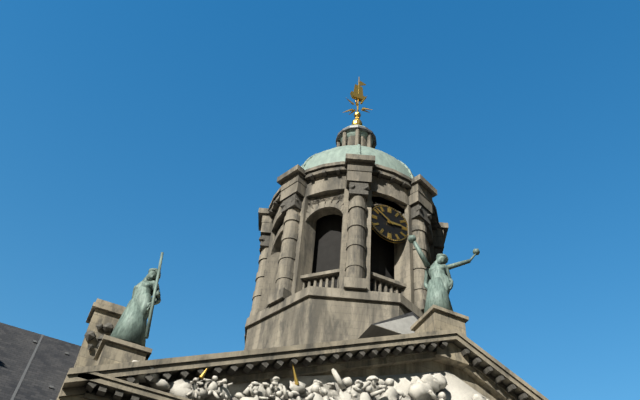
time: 2:51
